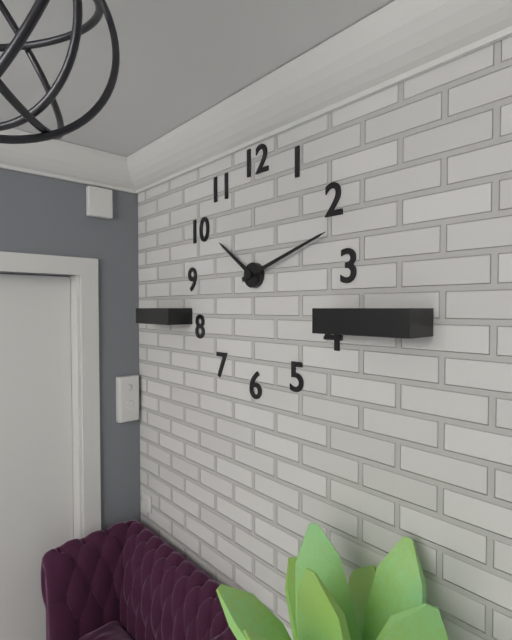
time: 10:12
